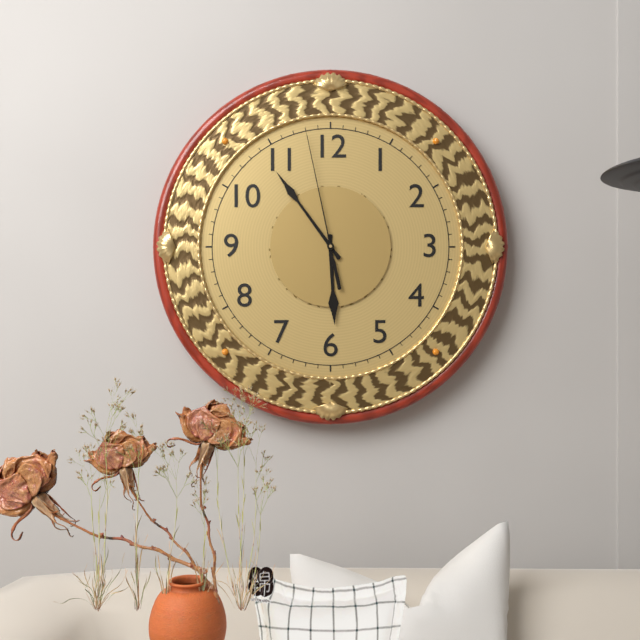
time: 5:54:58
